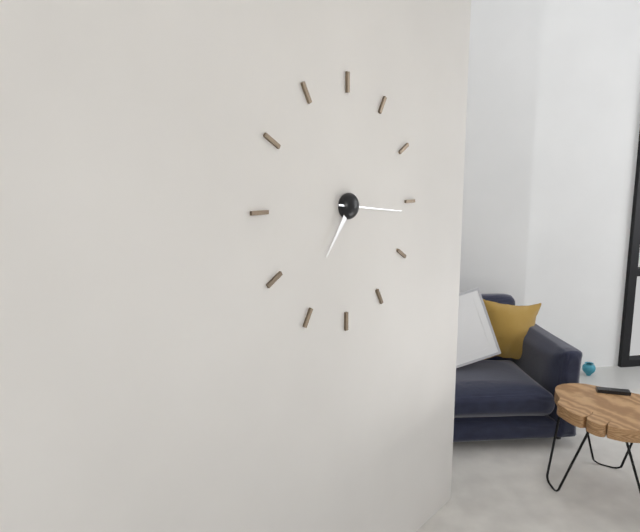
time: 7:16
